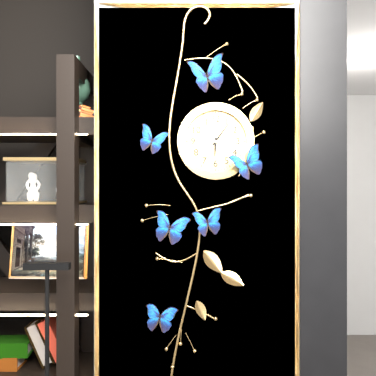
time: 6:06
